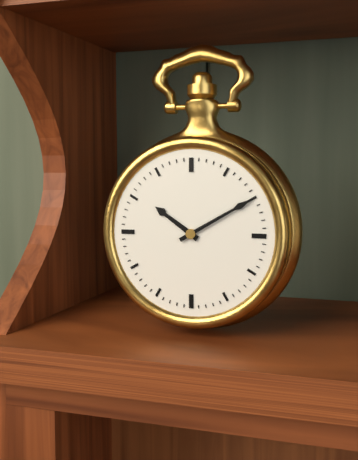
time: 10:10
